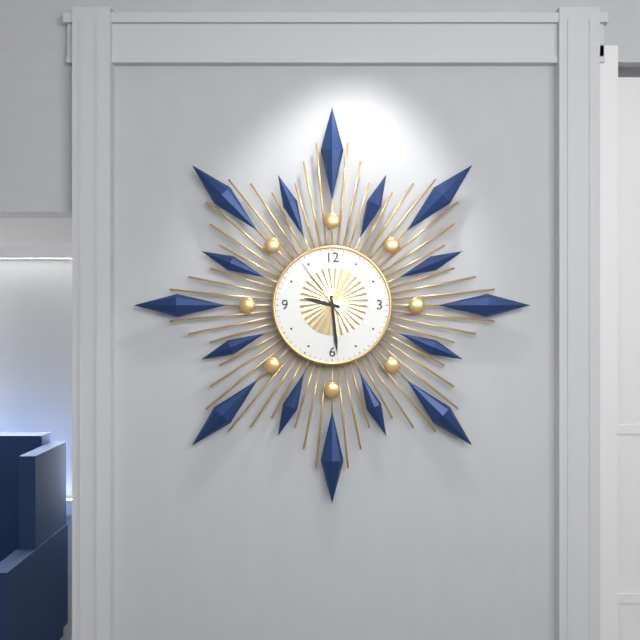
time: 9:29:54
